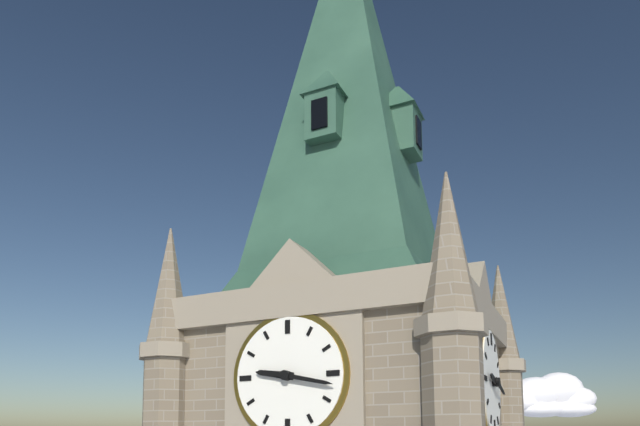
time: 9:17
